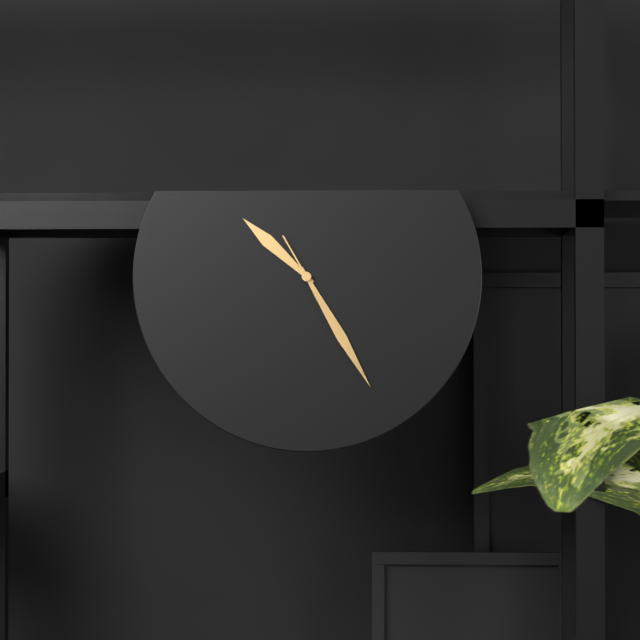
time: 10:25:25
